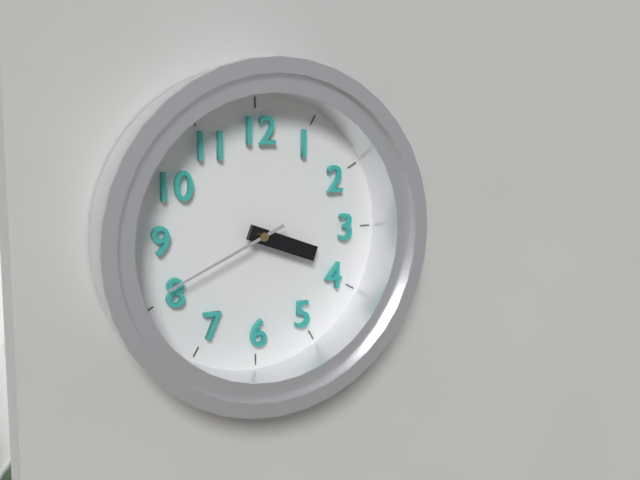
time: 3:41
